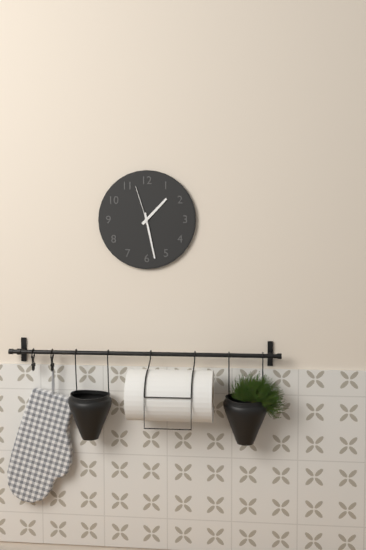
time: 1:28
